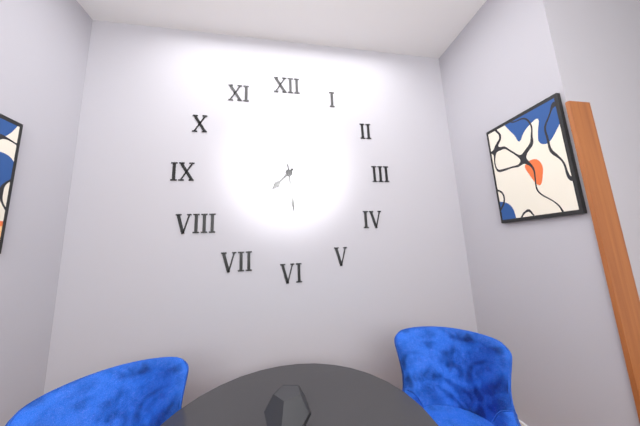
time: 7:29
